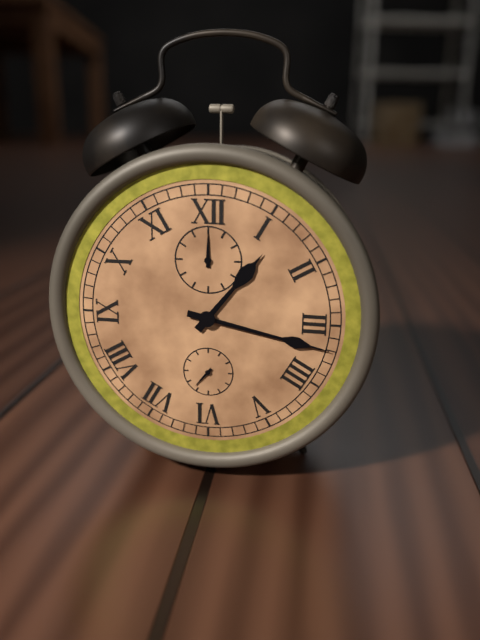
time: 1:17
